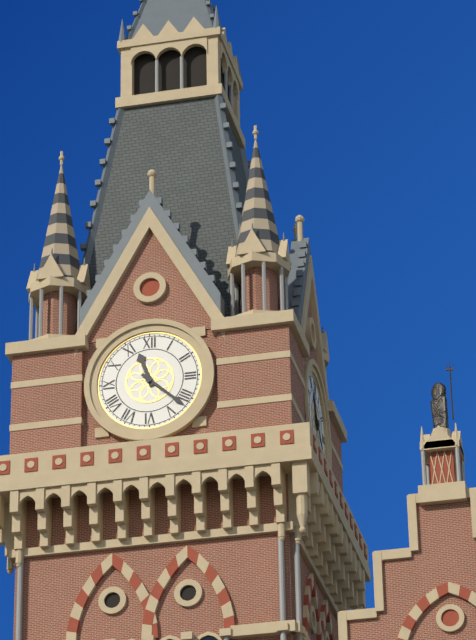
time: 11:22
